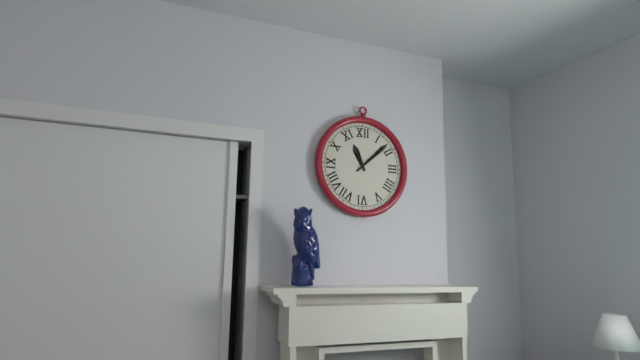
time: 11:08
